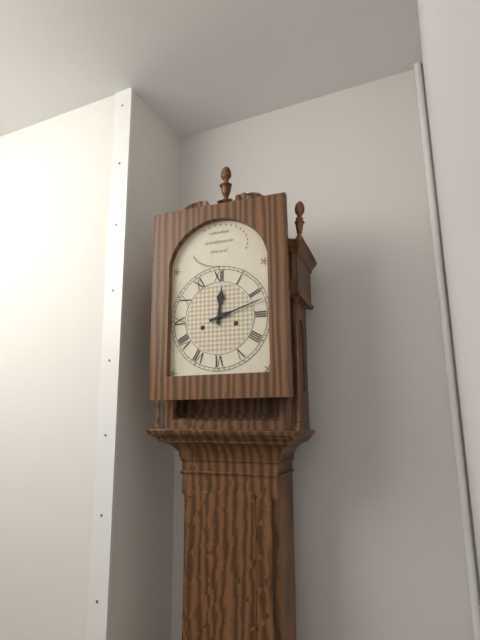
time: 12:12
